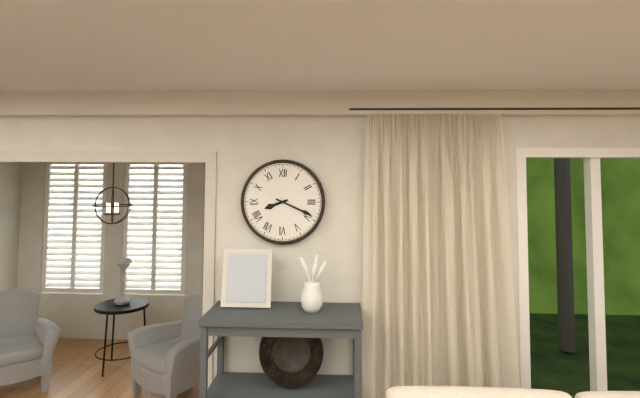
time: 8:19
